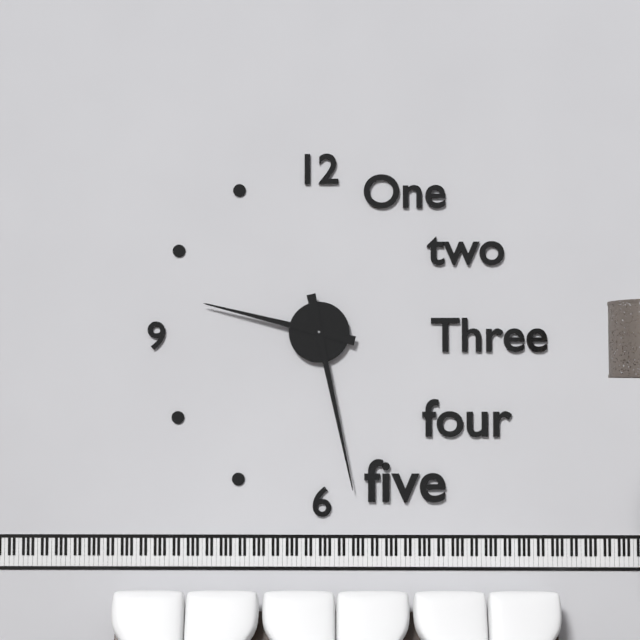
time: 9:28
